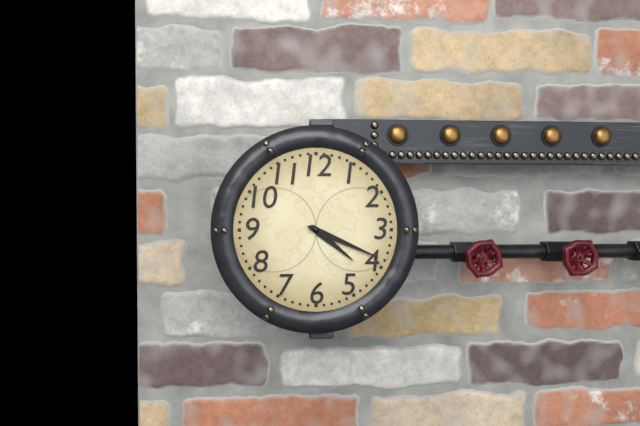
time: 4:19
